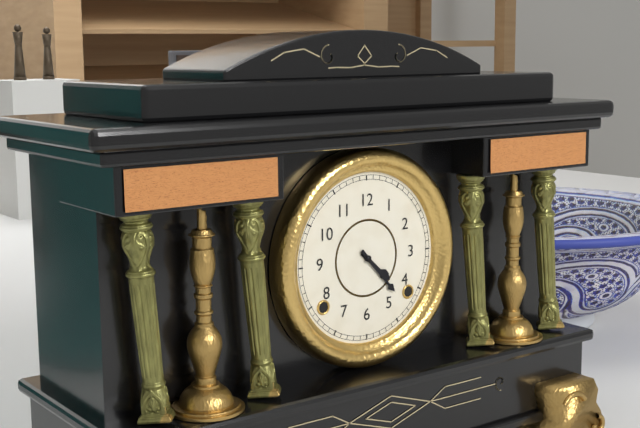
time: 4:23
